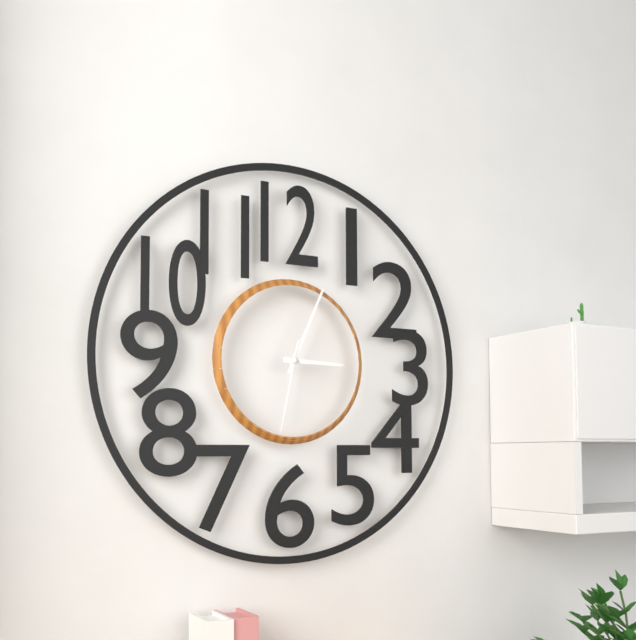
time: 3:04:32
